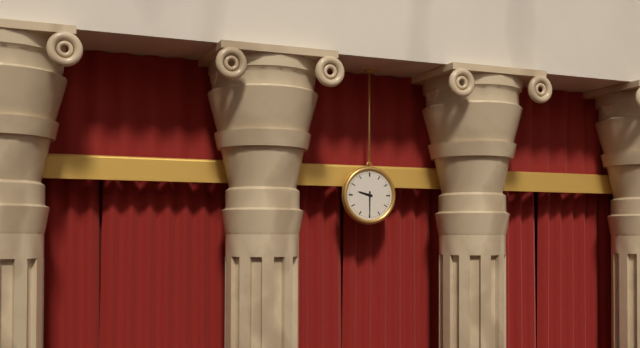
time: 9:30
